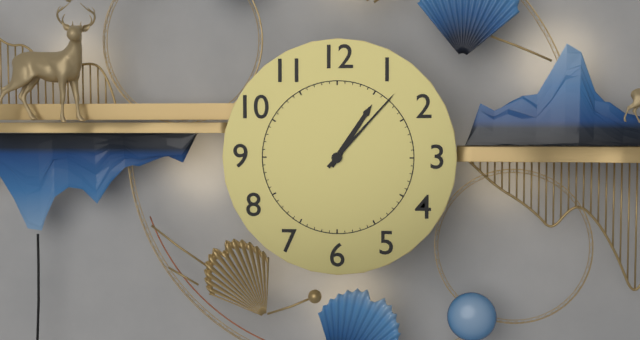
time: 1:07
